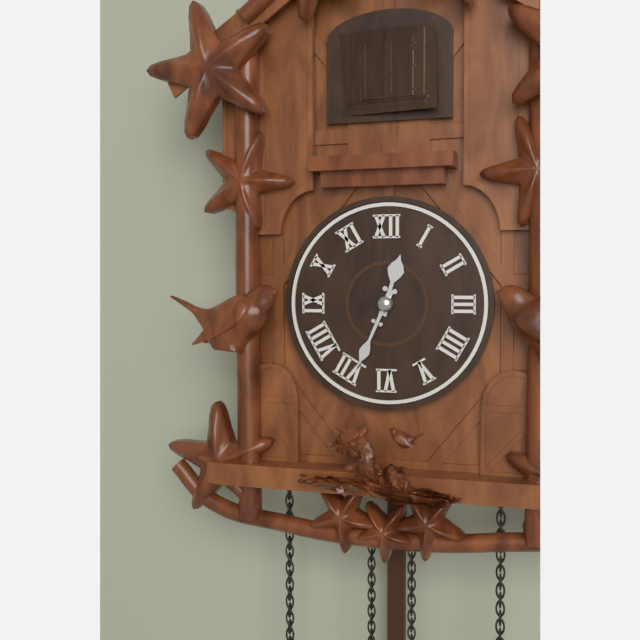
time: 12:34
